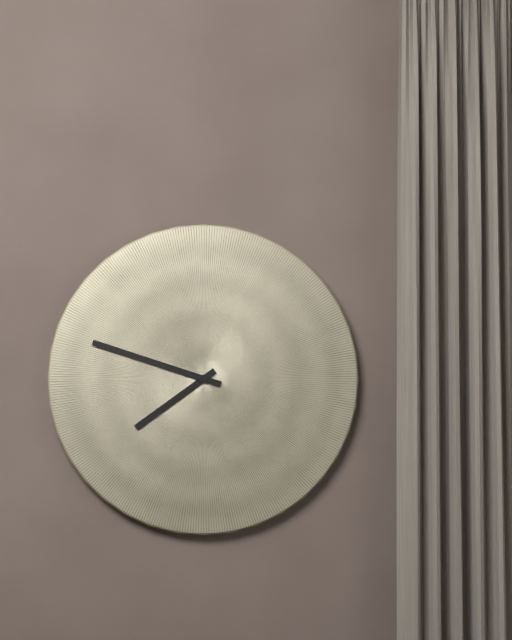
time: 7:48
